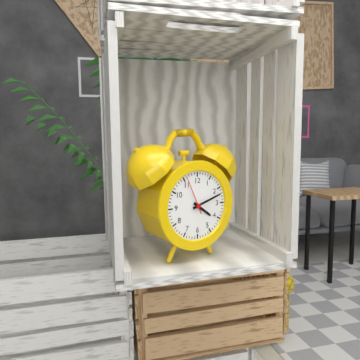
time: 4:12
